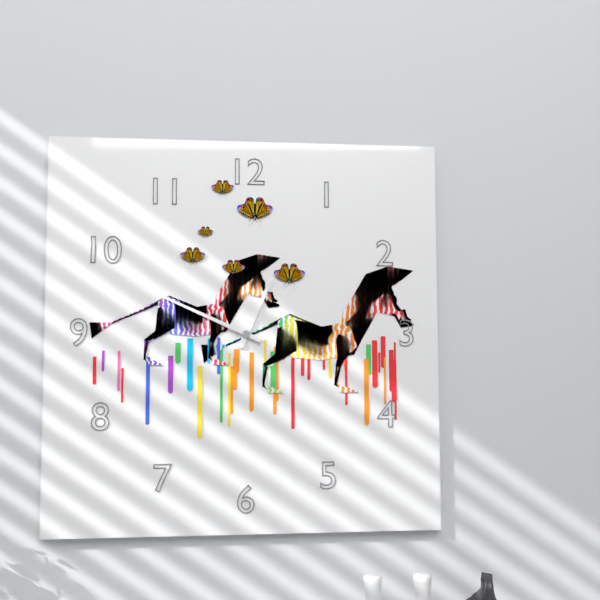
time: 12:49
